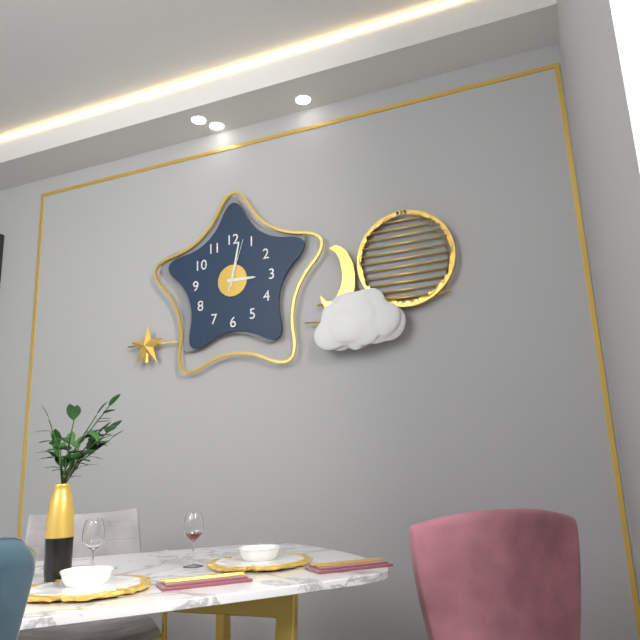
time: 3:02:03
